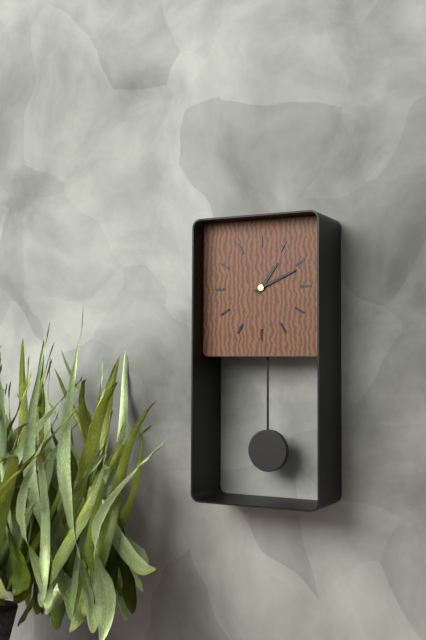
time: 1:11
